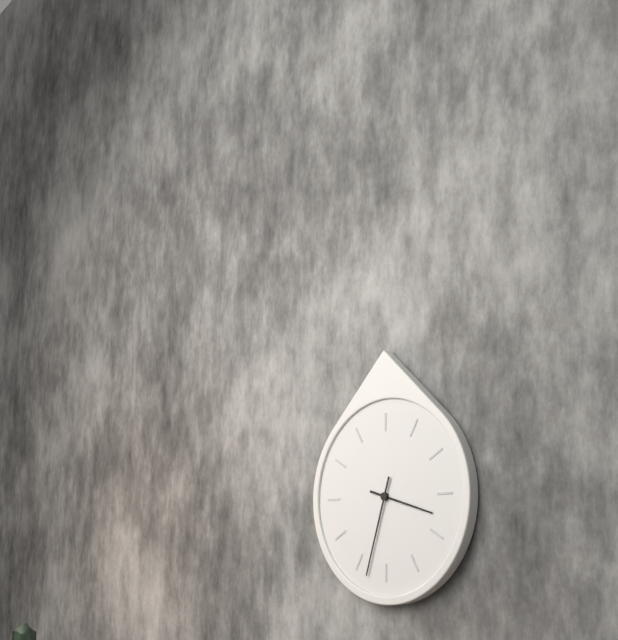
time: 3:33
